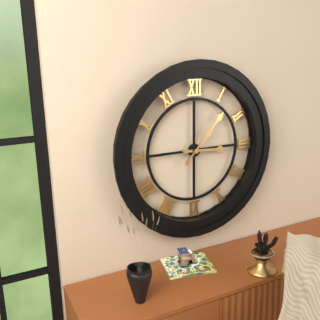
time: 3:07
